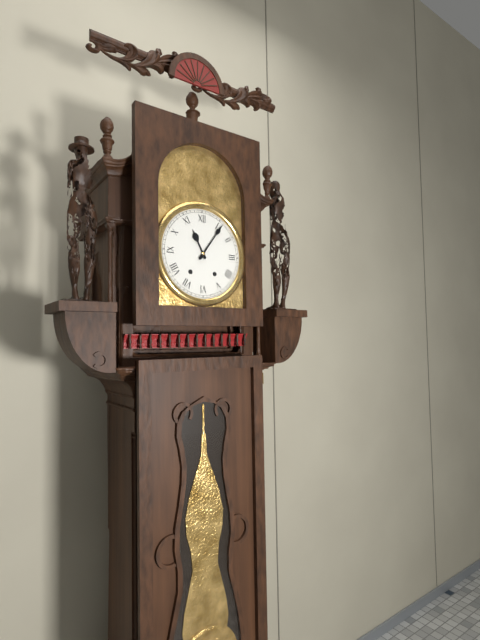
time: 11:06
